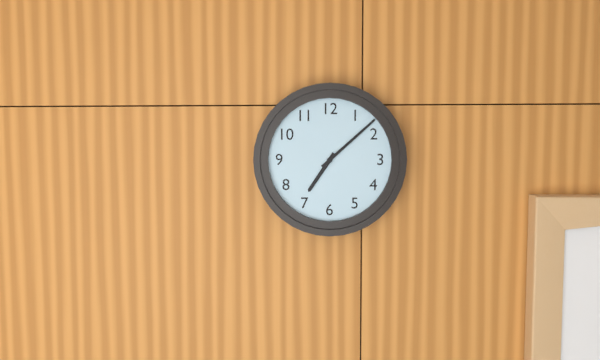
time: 7:08
